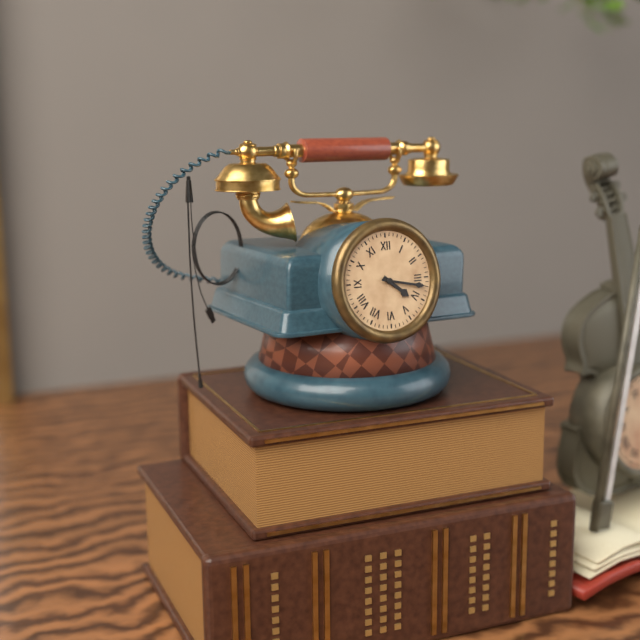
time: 4:17
